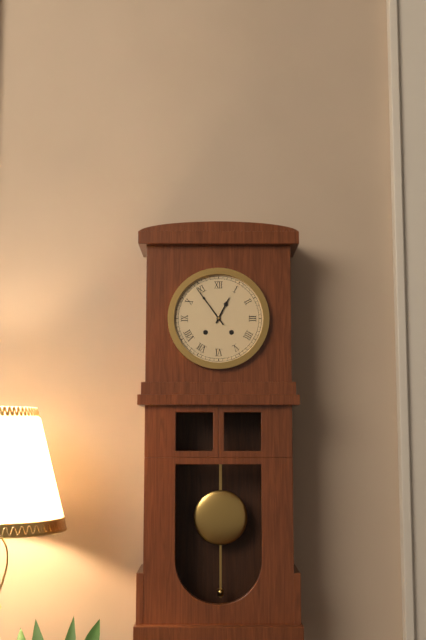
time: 12:54
